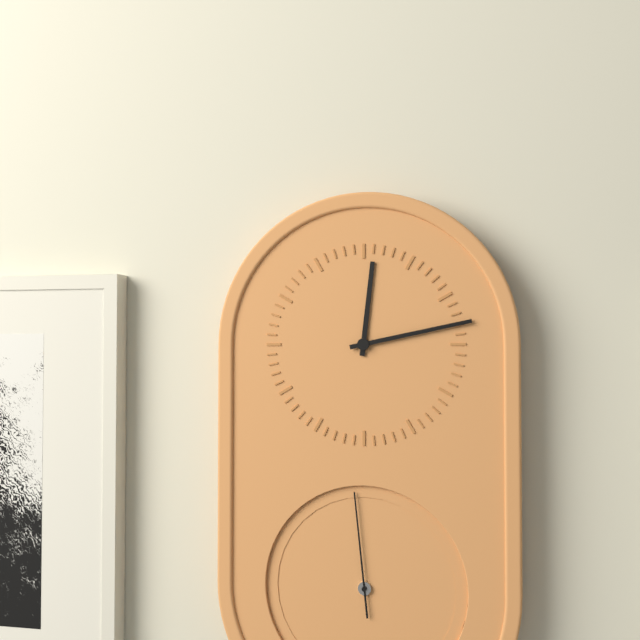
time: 12:13:59
